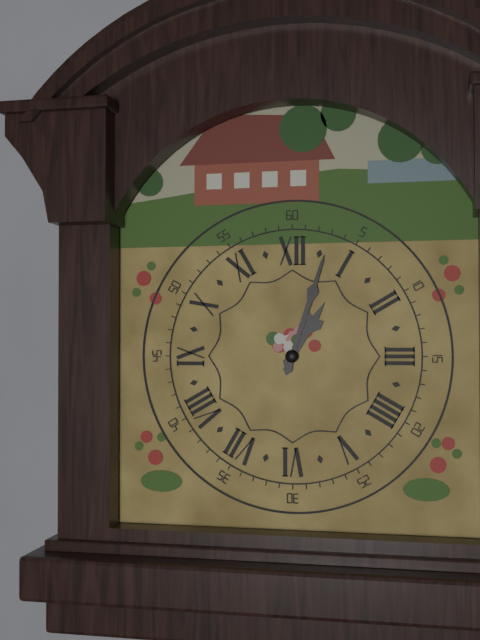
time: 1:03
